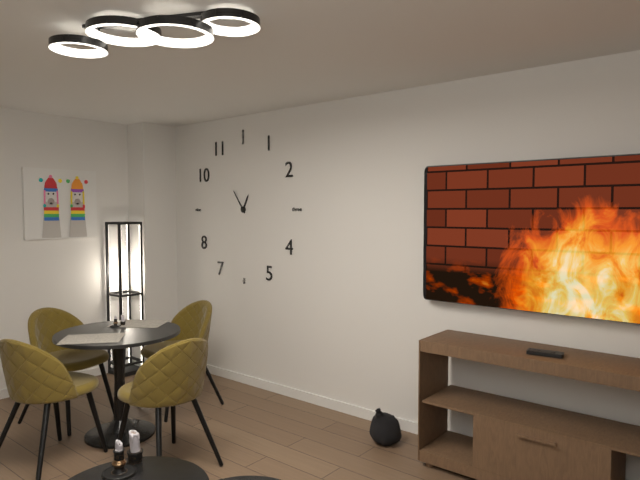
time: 12:54
